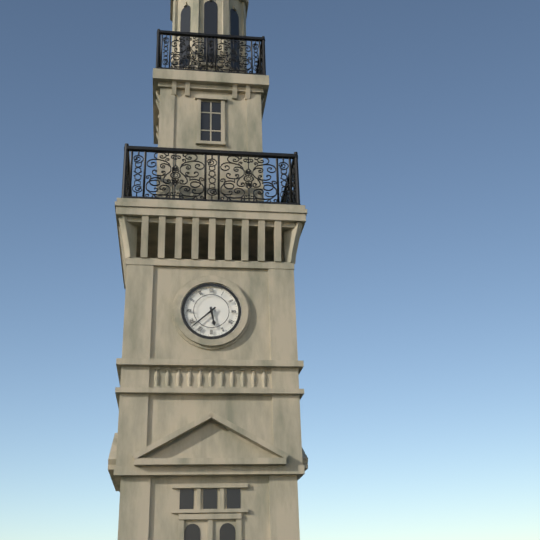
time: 5:38
